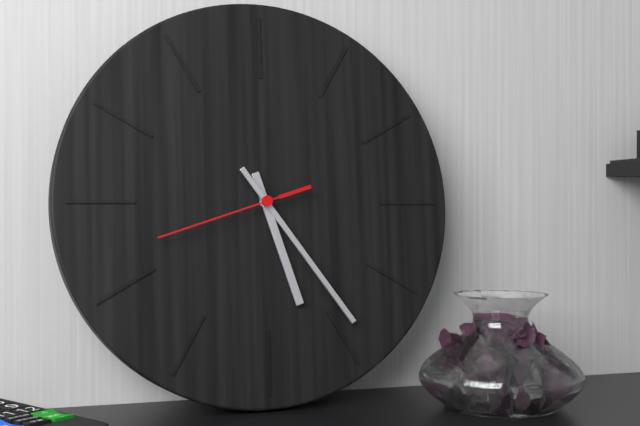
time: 5:24:42
